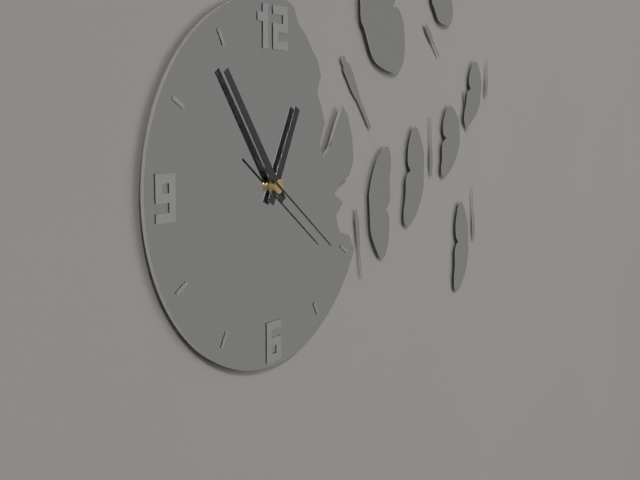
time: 12:54:21
